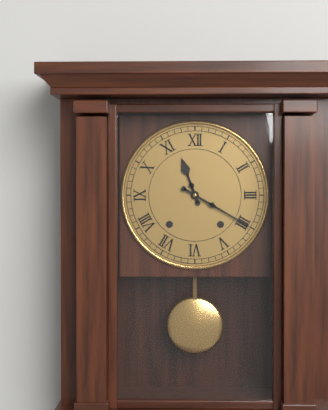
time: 11:20
